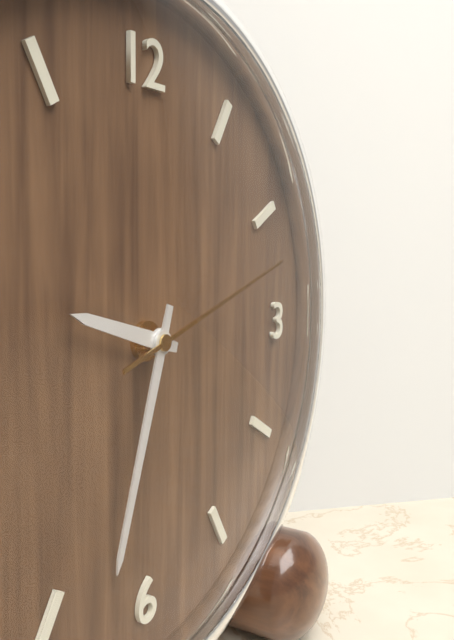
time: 9:33:12
